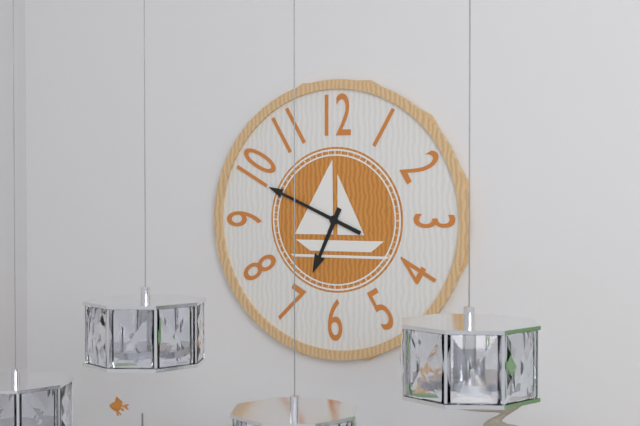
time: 6:49
